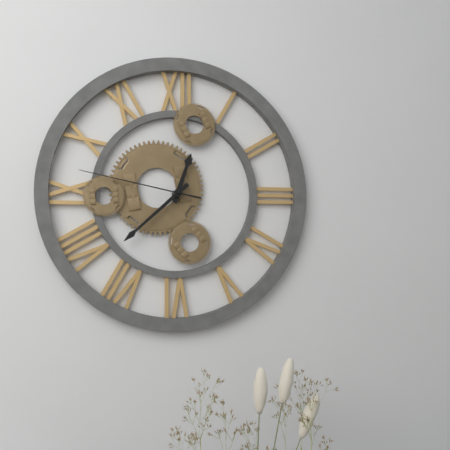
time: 12:38:47
